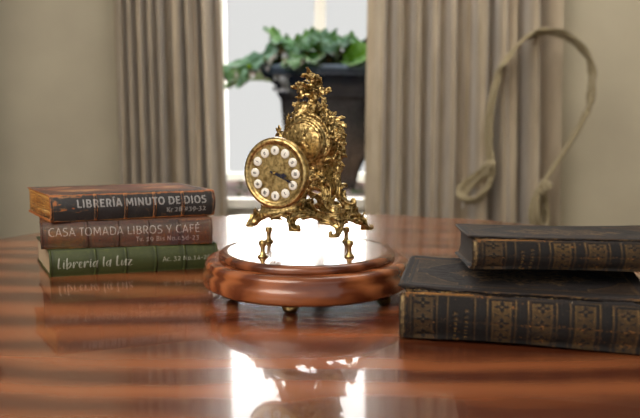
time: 3:19
